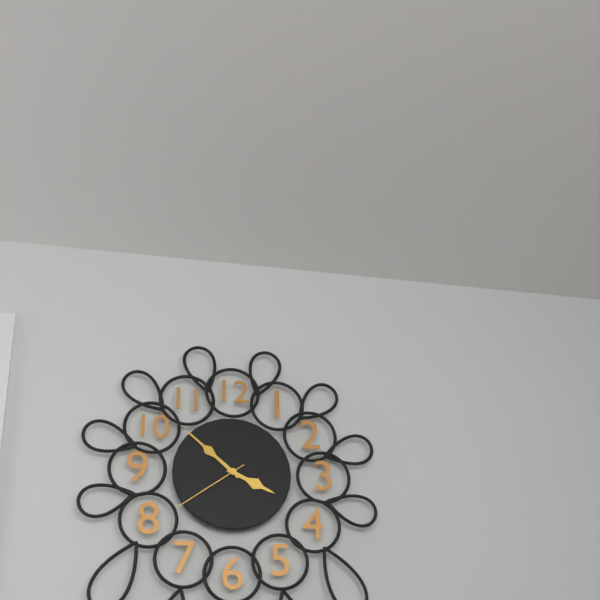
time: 3:52:39
